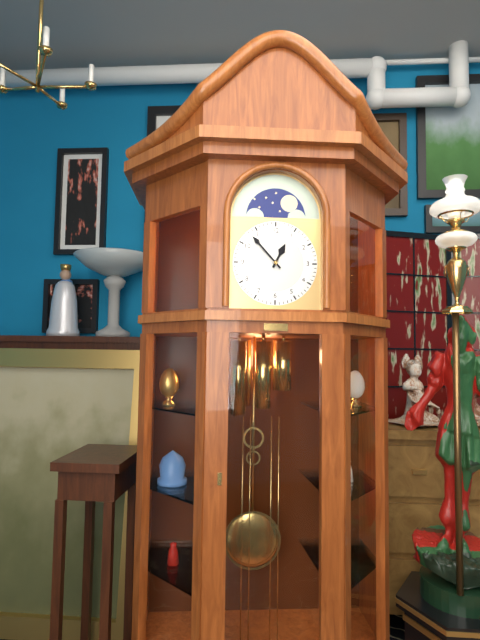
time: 12:53
